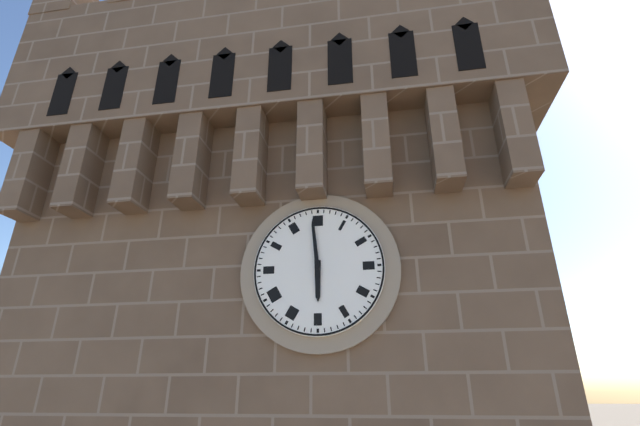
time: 5:59
